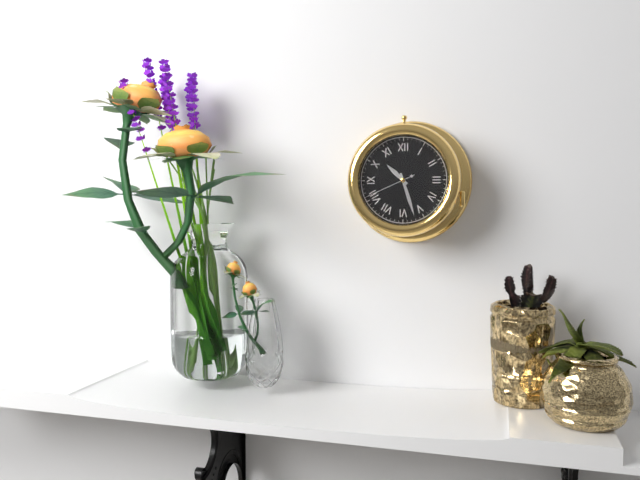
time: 10:27:41
